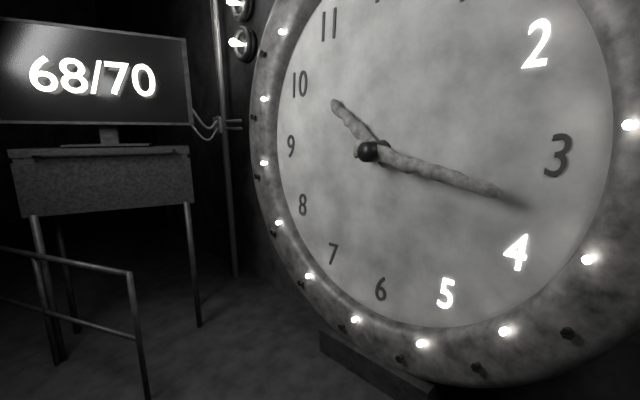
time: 10:17
